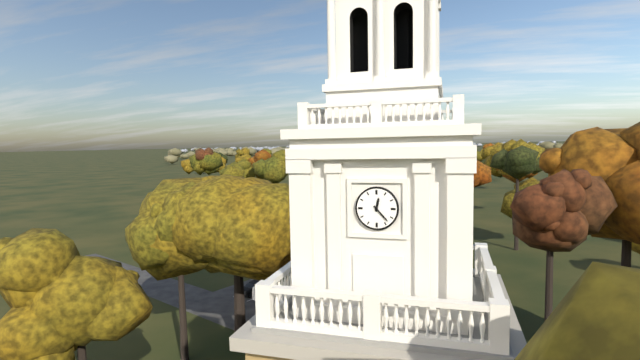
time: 12:23
